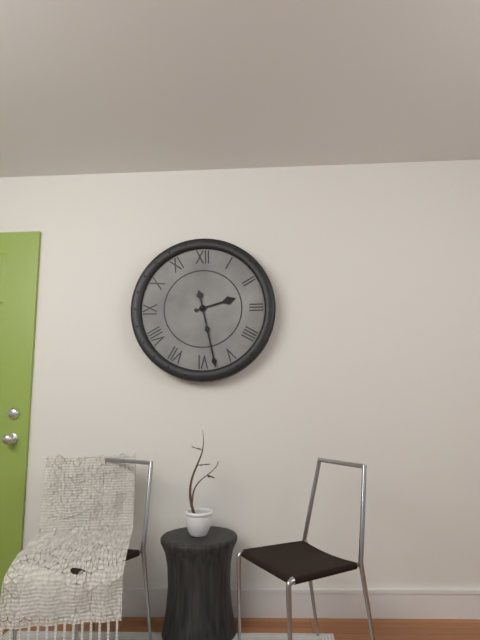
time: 2:28
